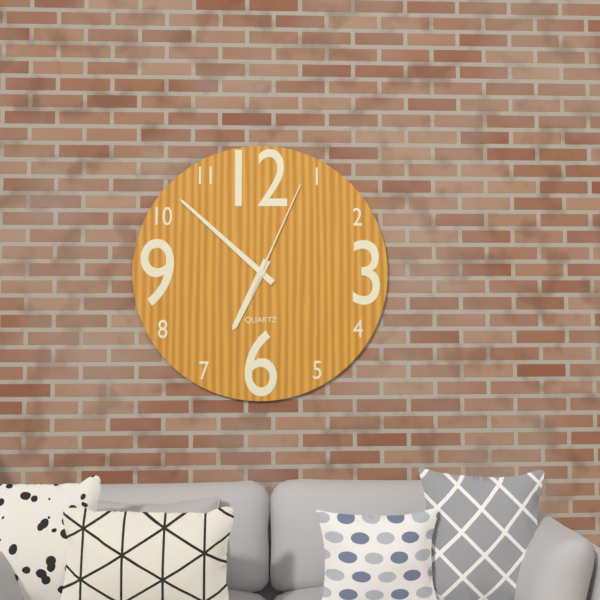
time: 6:52:04
